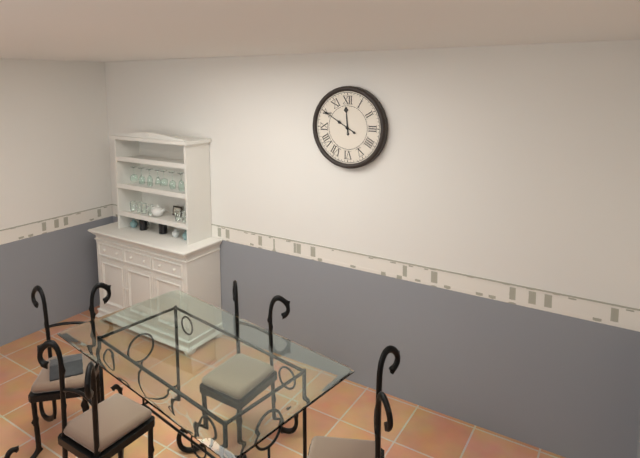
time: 11:50
